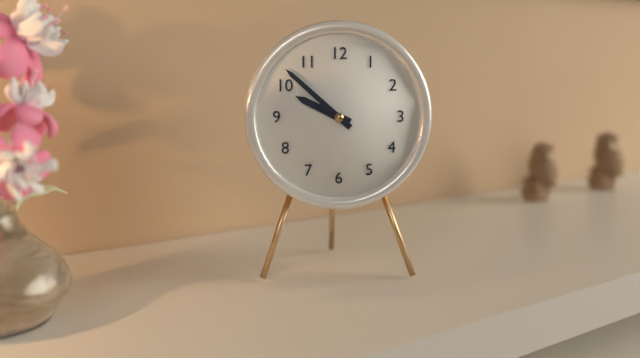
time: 9:52
